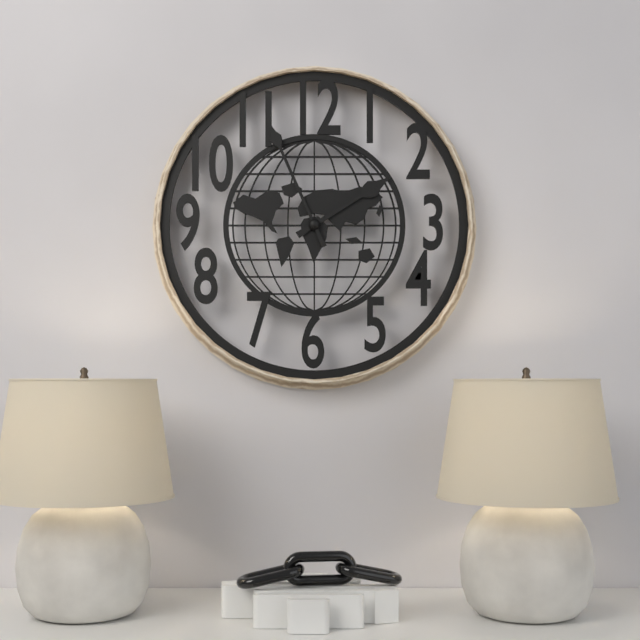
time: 1:56
